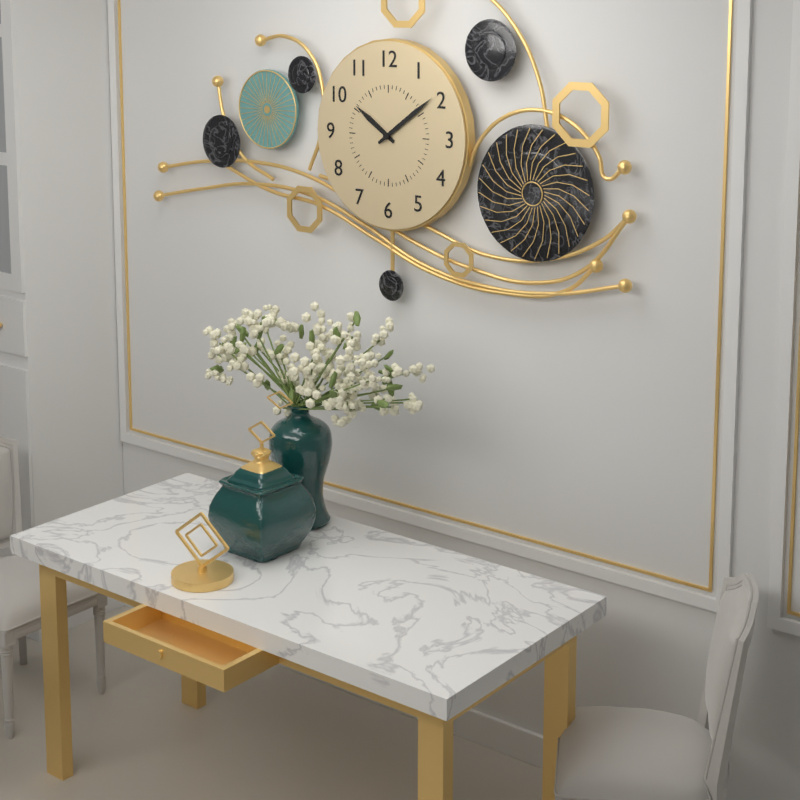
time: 10:09
